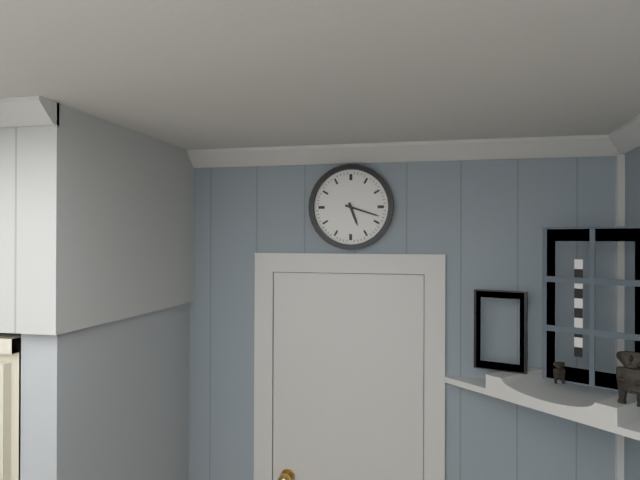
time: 5:18
